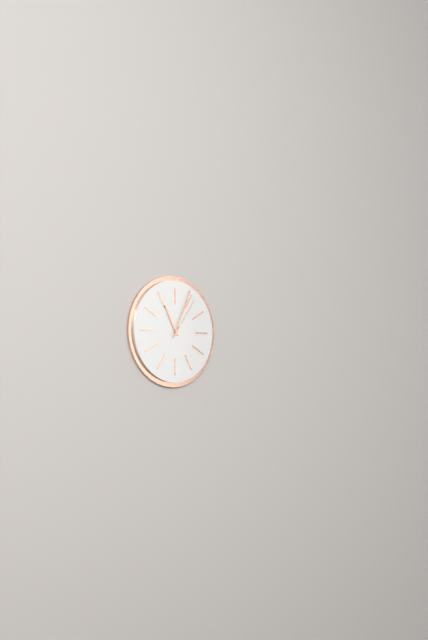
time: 11:04
